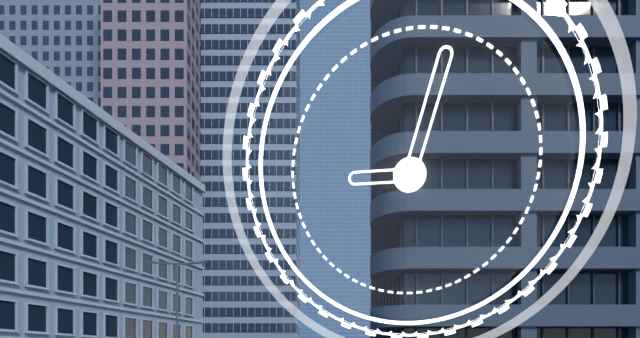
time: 9:03
